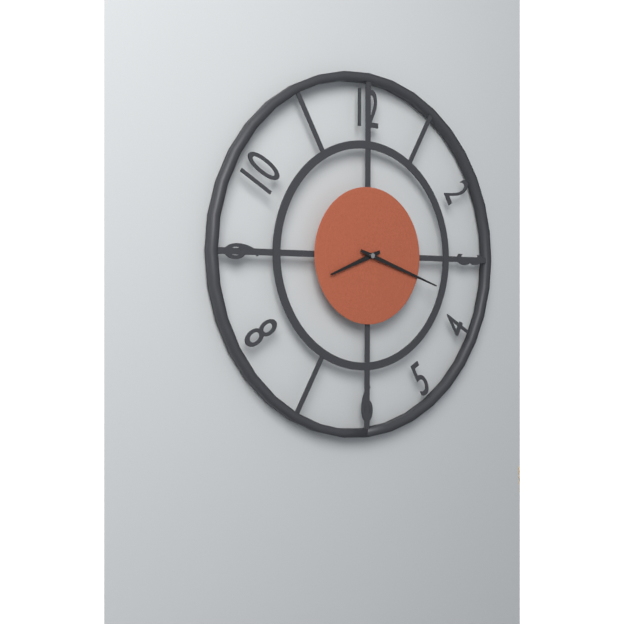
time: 8:18
